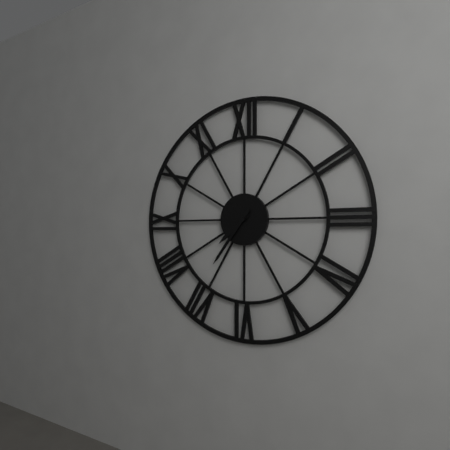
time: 7:36
